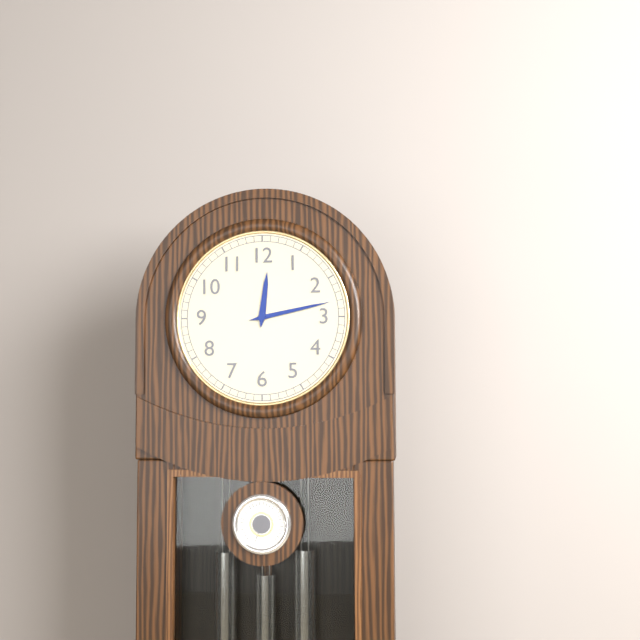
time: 12:13
